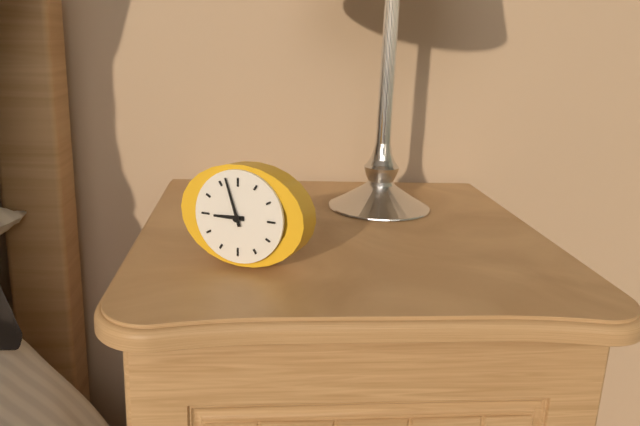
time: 8:57
